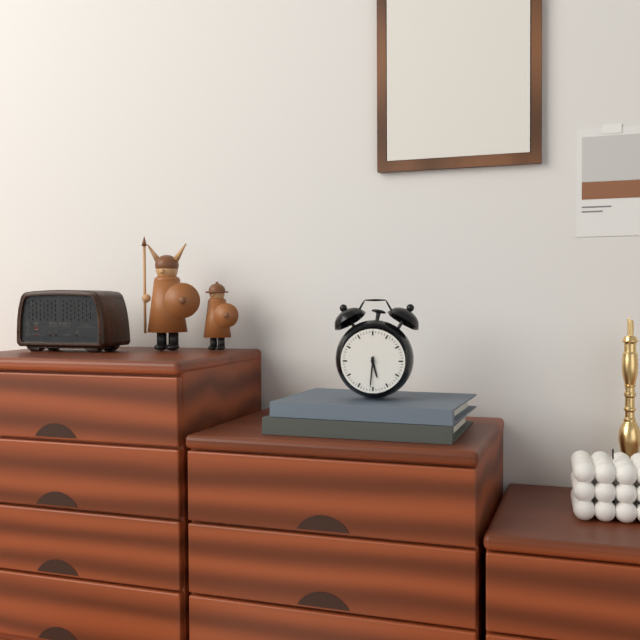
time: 5:31
